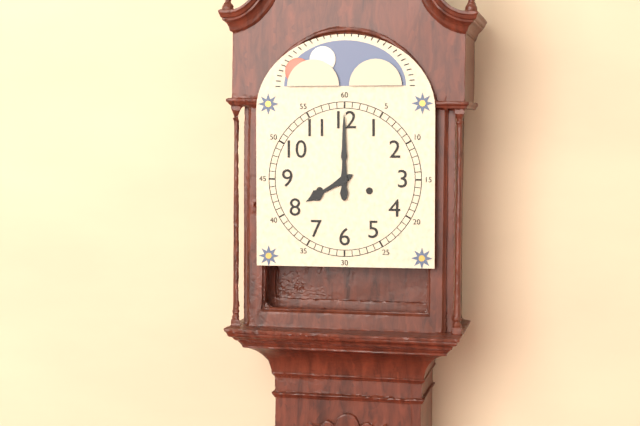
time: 8:00
